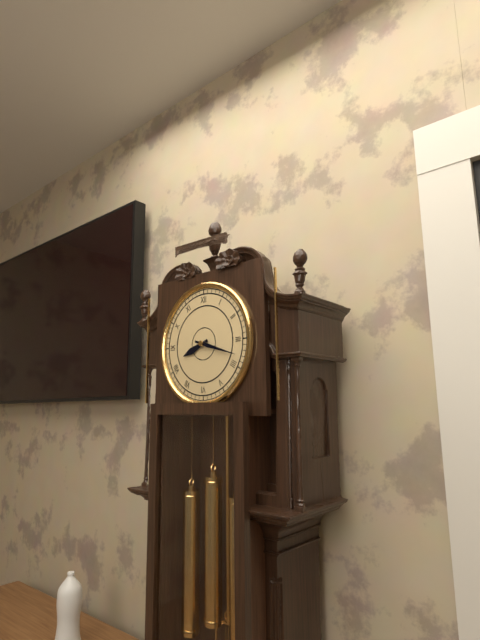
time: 8:18
